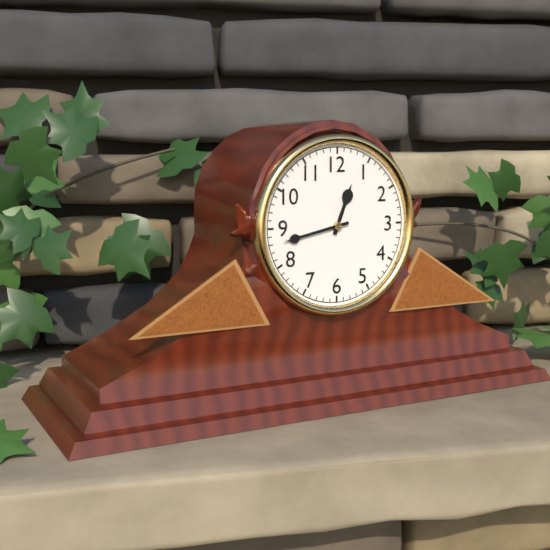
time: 12:43
